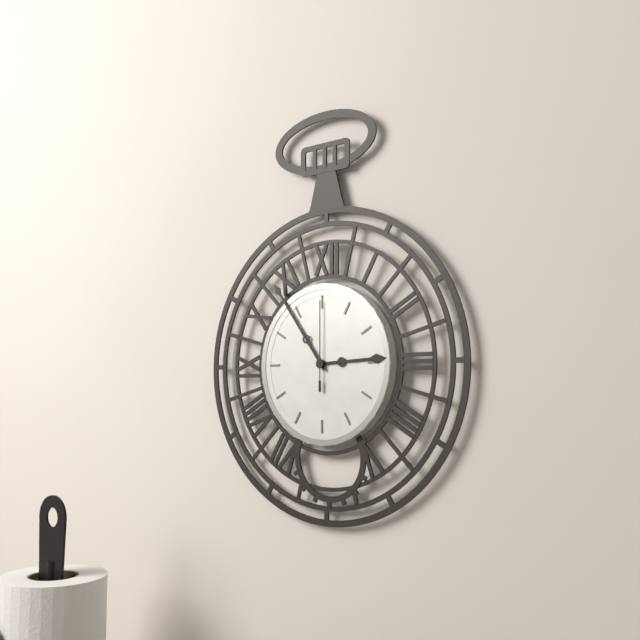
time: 2:54:00
